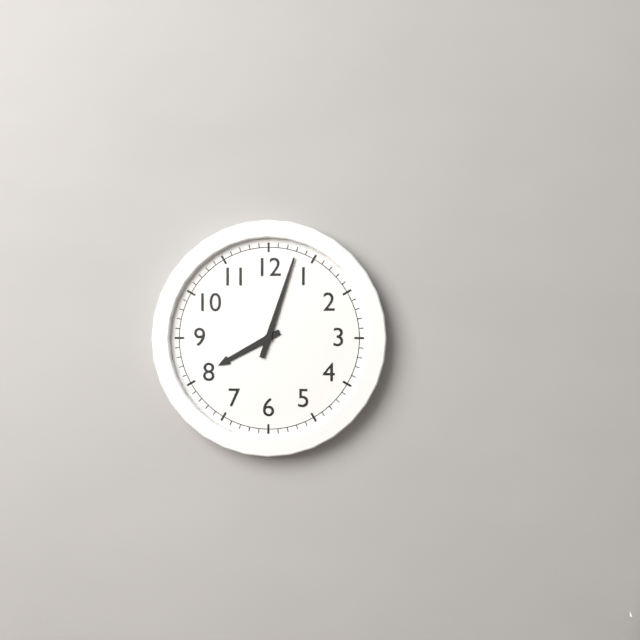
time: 8:03
